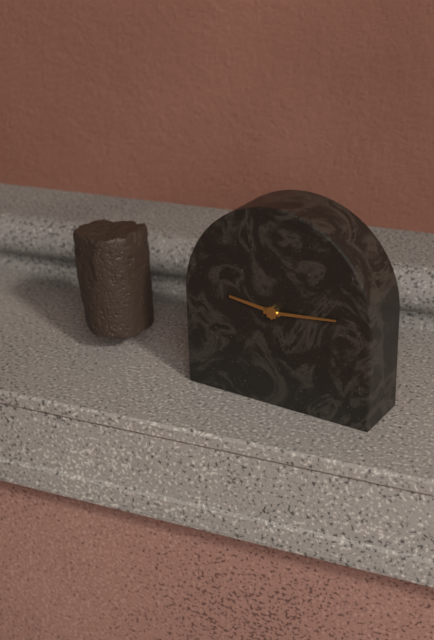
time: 9:14
